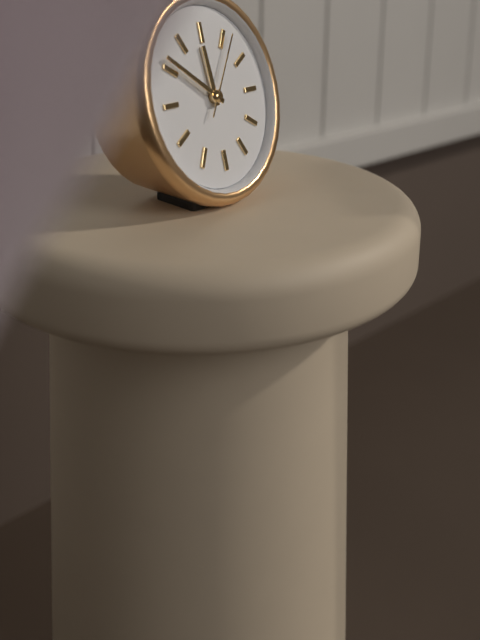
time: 11:51:06
